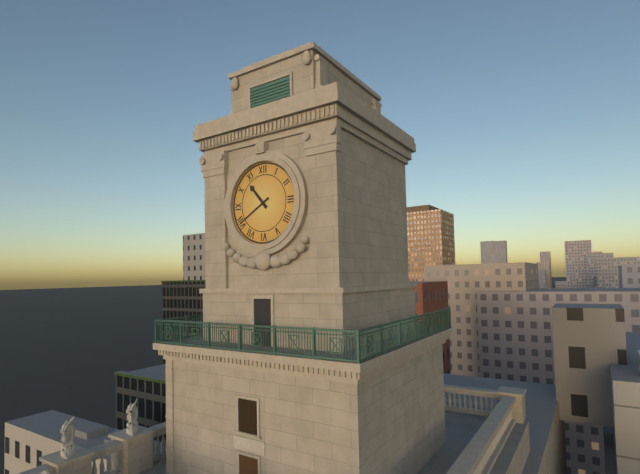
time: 10:40
